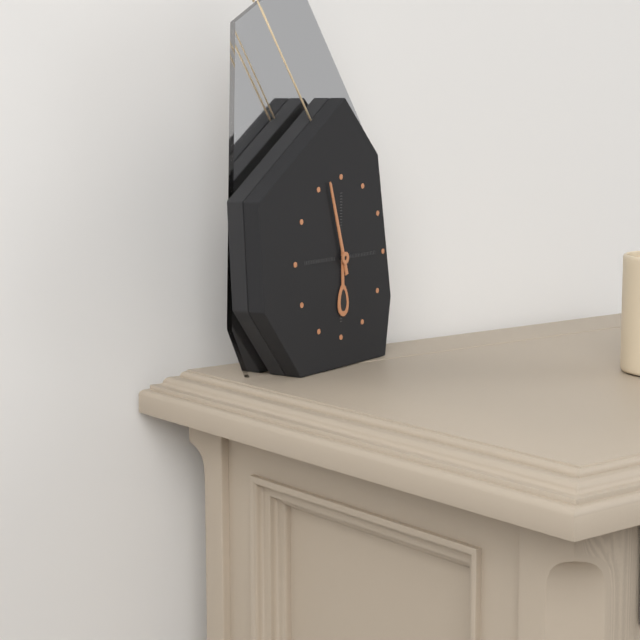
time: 5:57
